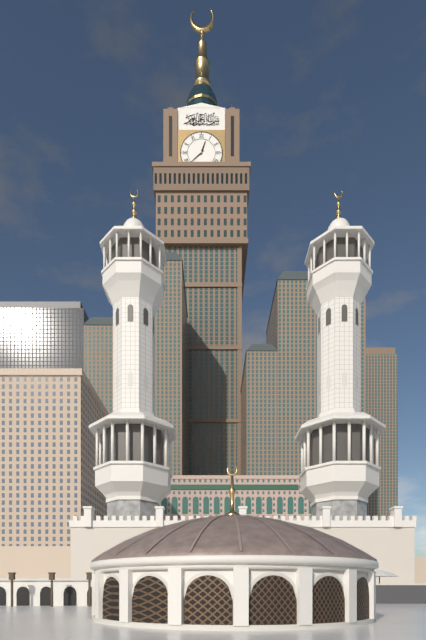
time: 12:38
